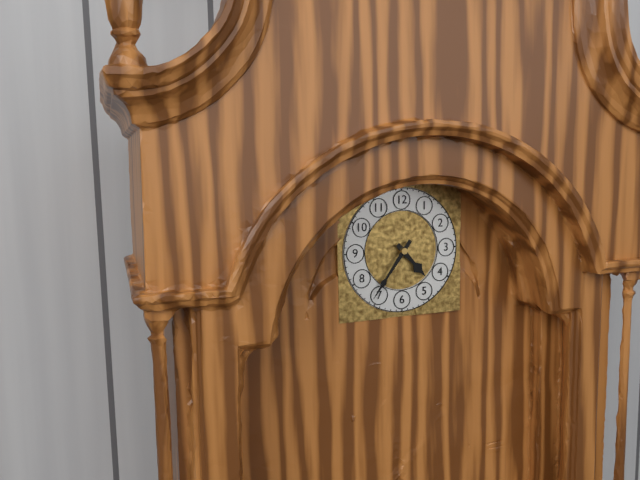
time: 4:36
